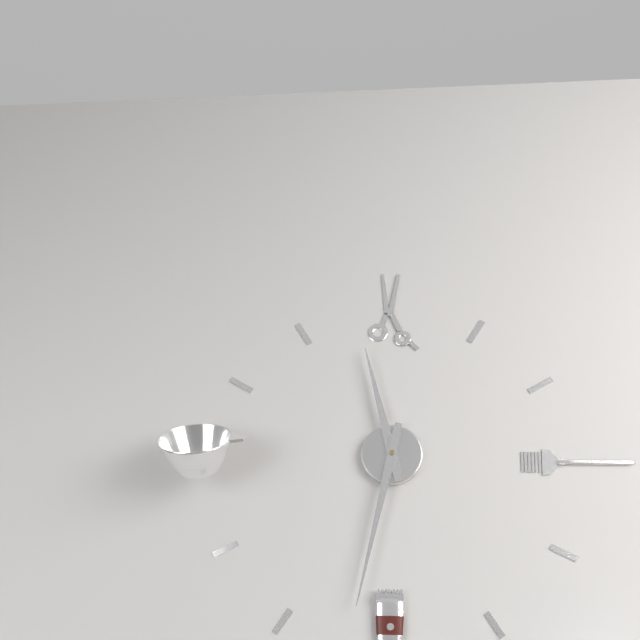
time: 11:32
